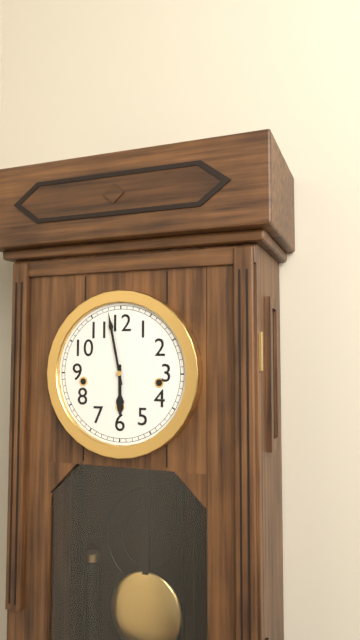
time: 5:58
